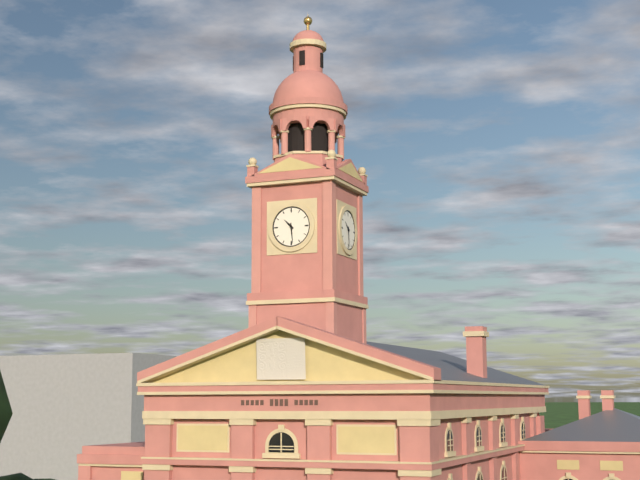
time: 10:29
